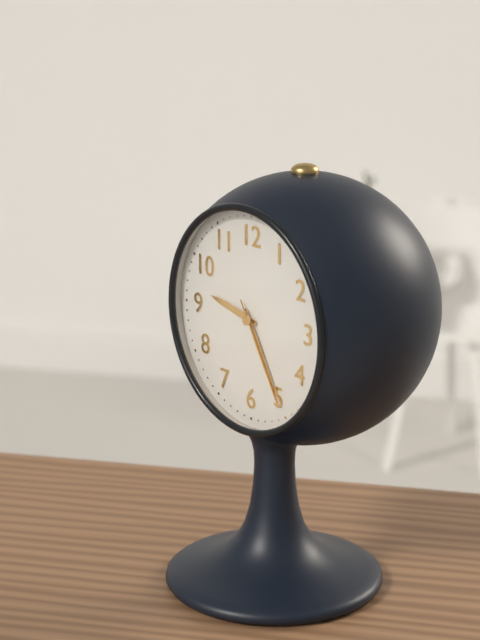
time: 9:25:25
